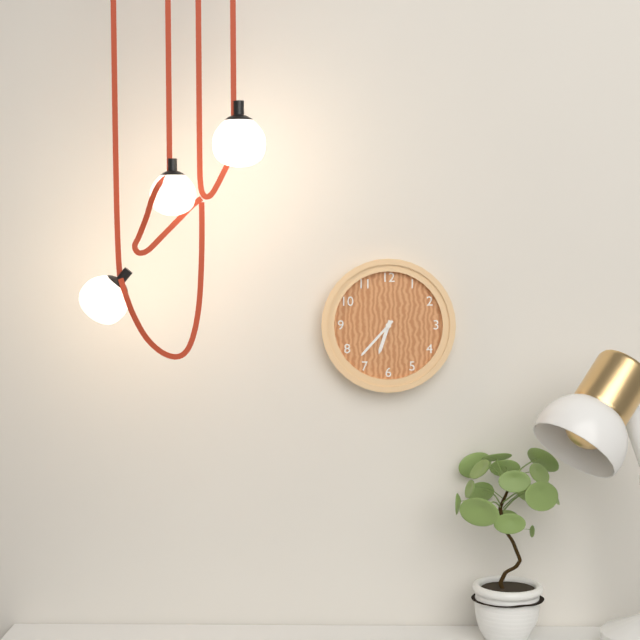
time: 6:37
